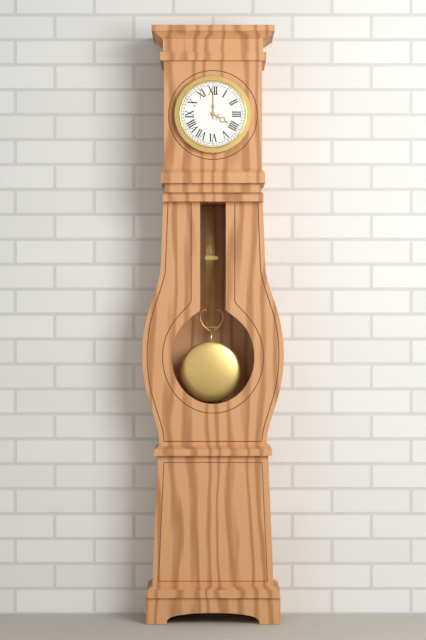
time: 4:00
